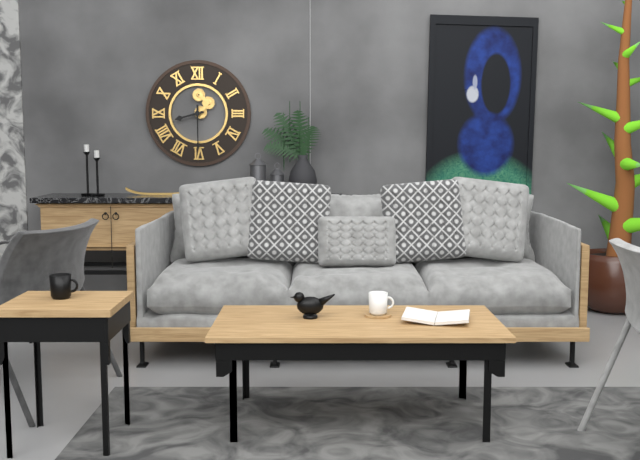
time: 8:30
